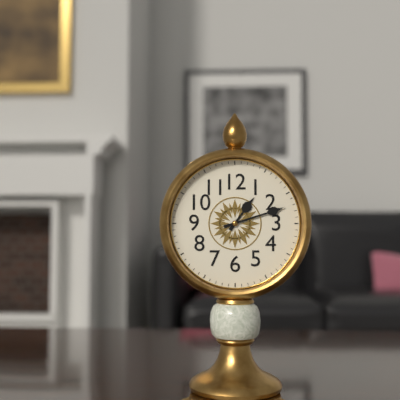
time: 1:12
